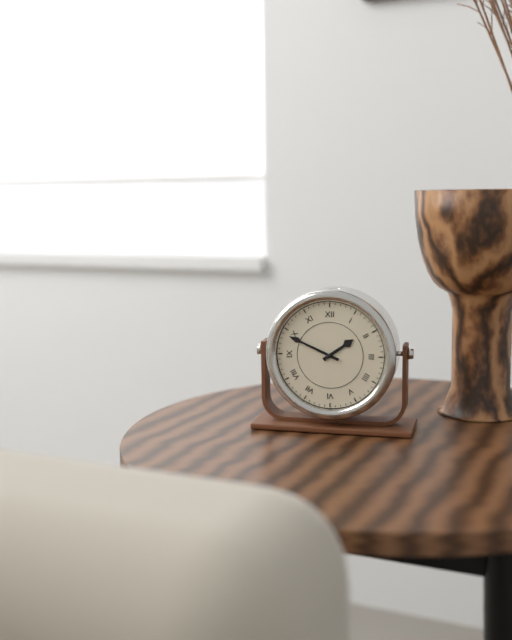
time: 1:49
